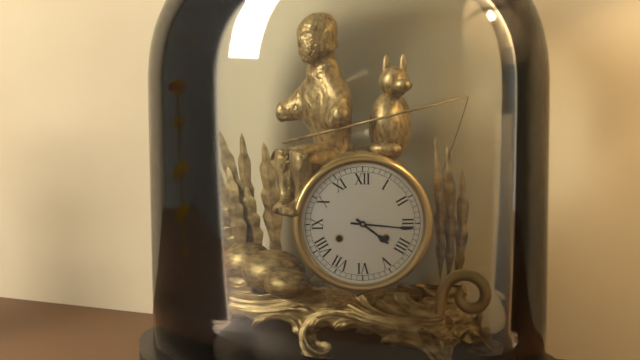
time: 4:16
